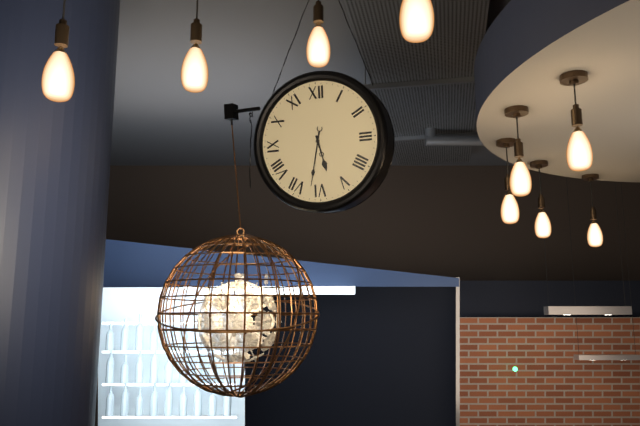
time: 5:32
